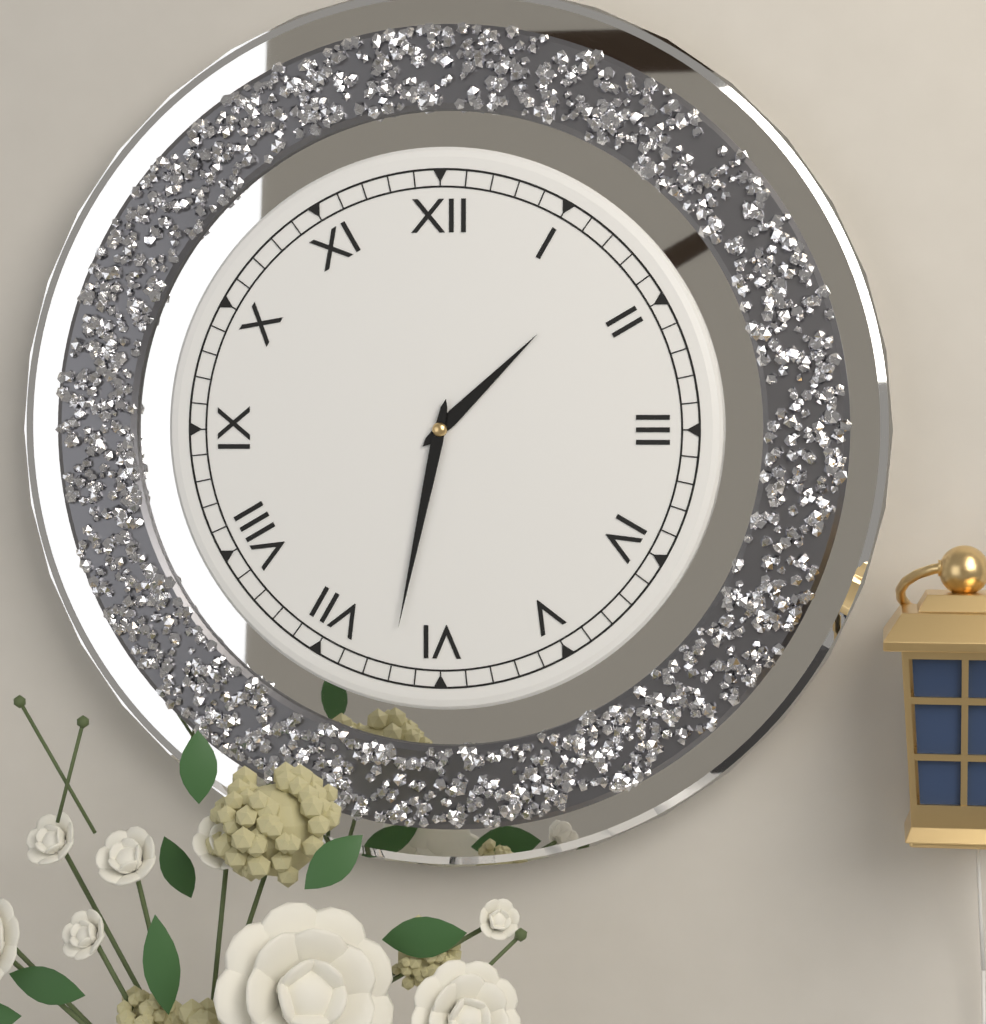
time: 1:32
